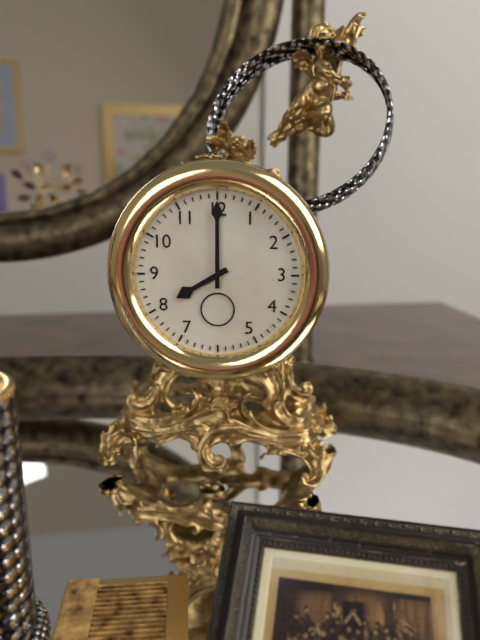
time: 8:00
